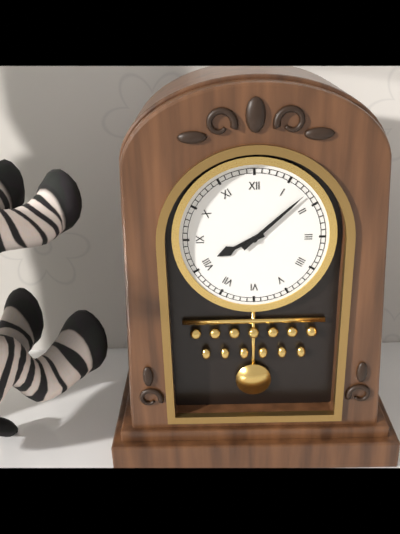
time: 8:08
